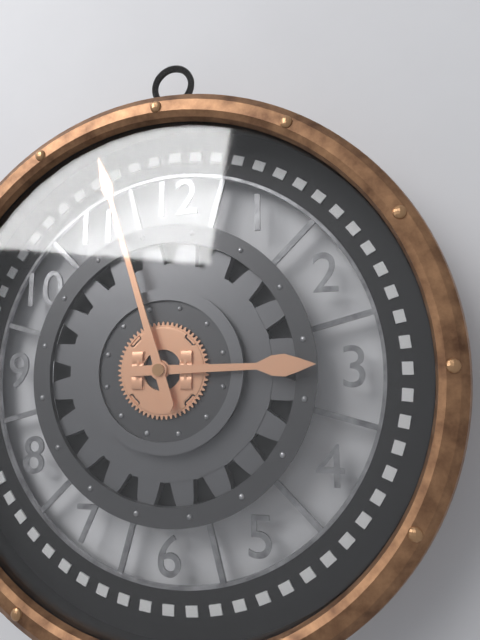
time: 2:57
